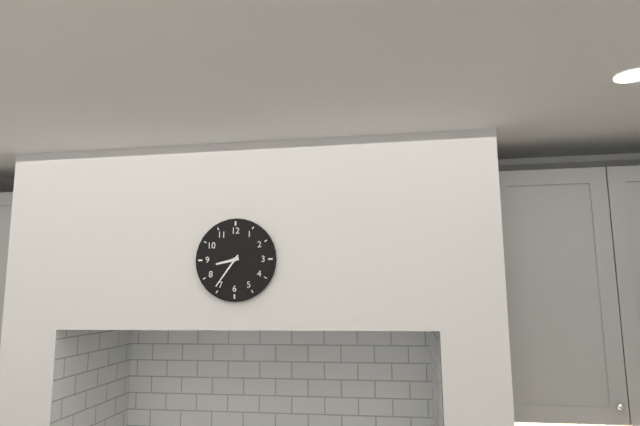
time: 8:36
